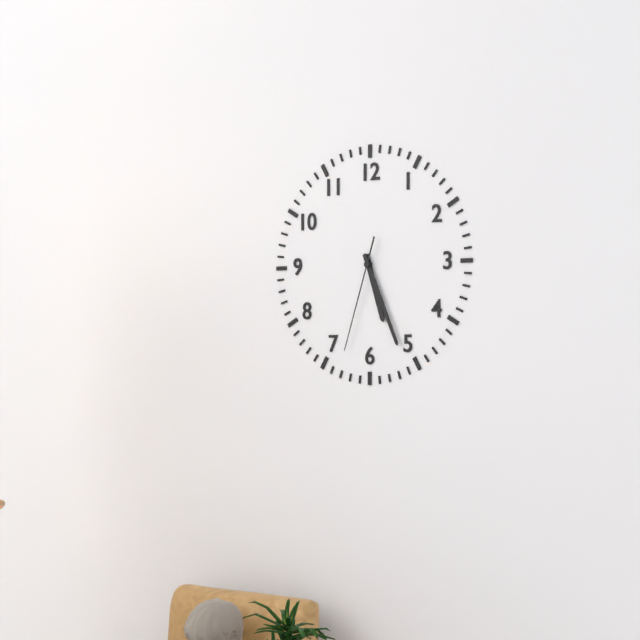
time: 5:26:33
